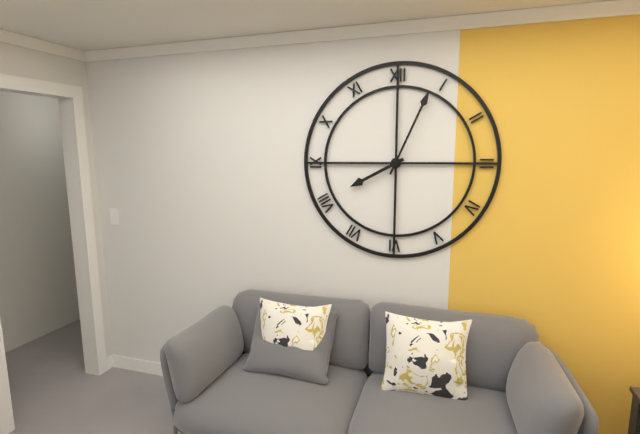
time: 8:04
